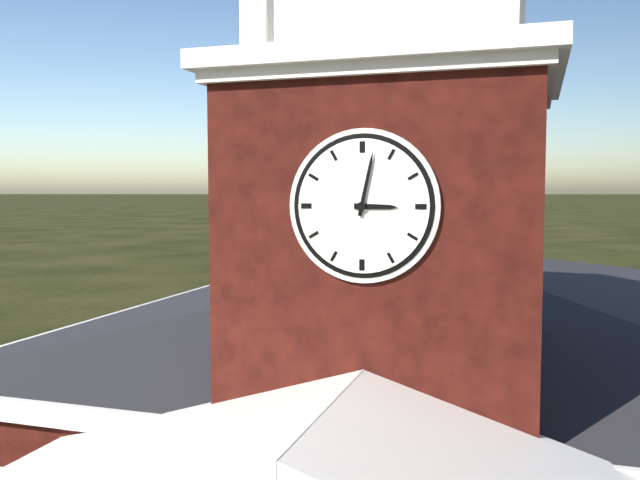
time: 3:02
